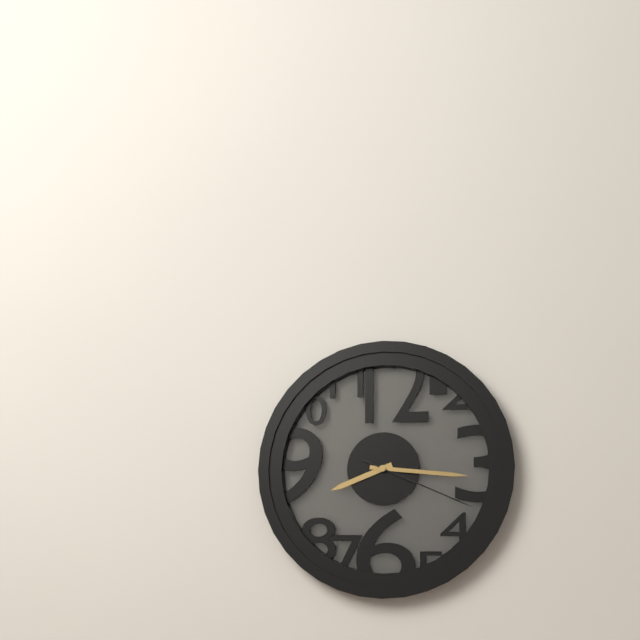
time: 8:16:19
